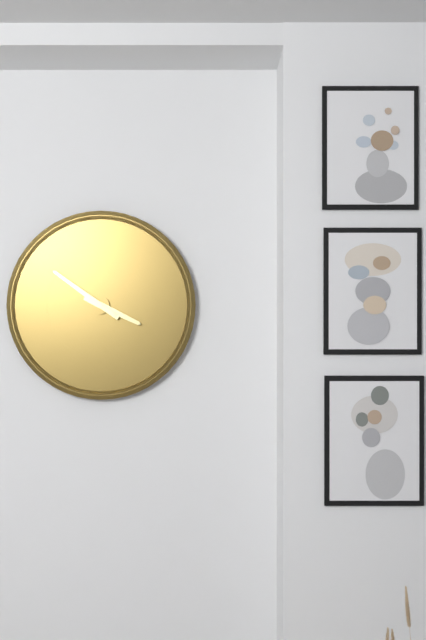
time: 3:51
